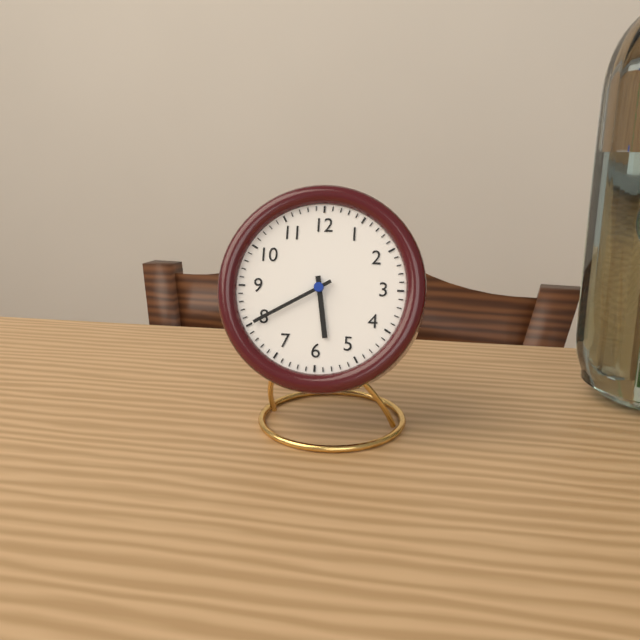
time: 5:40
